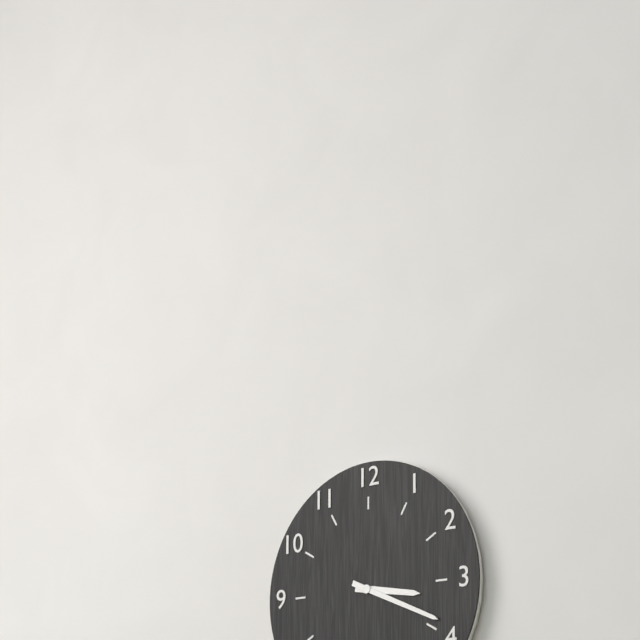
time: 3:19
